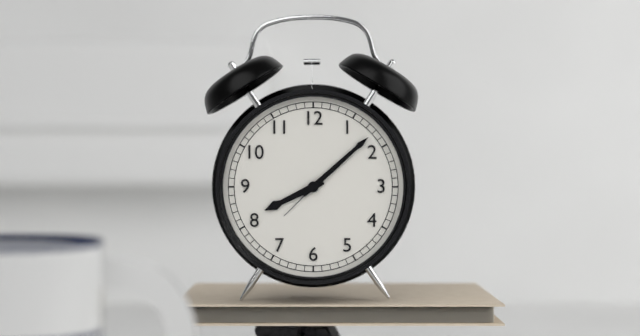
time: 8:08
